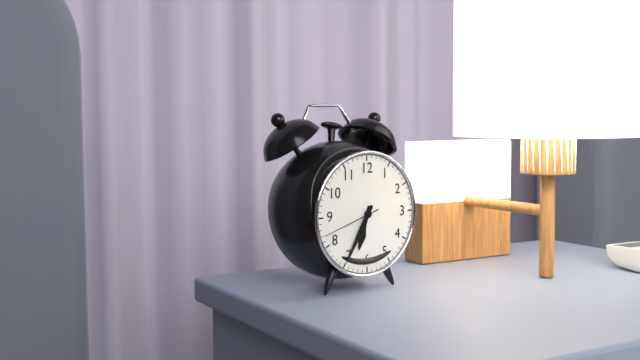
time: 6:35:42
